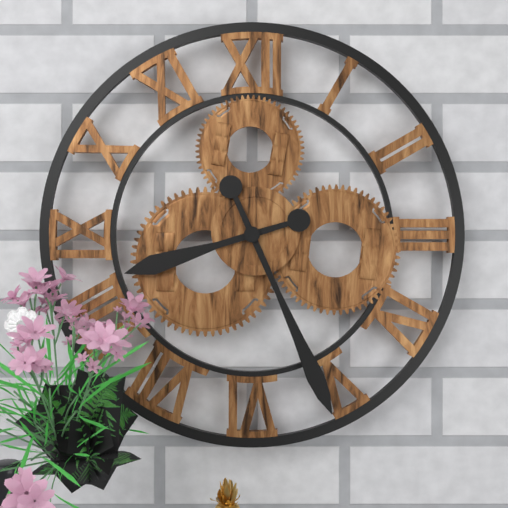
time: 8:26
